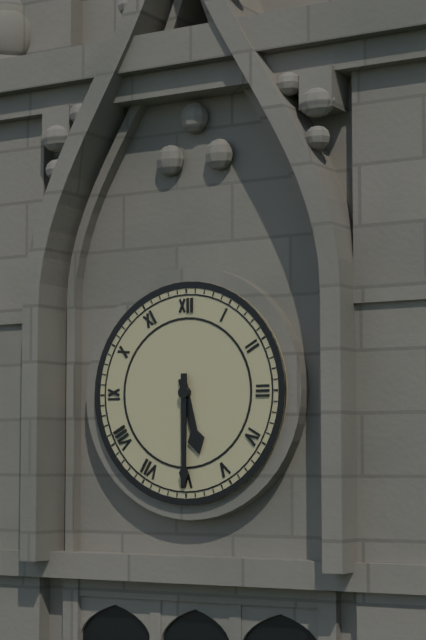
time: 5:30
